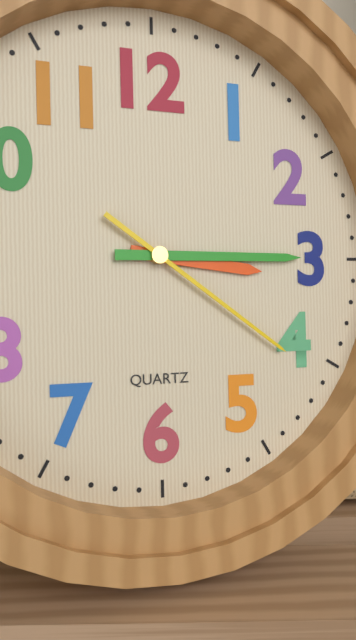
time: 3:15:21
